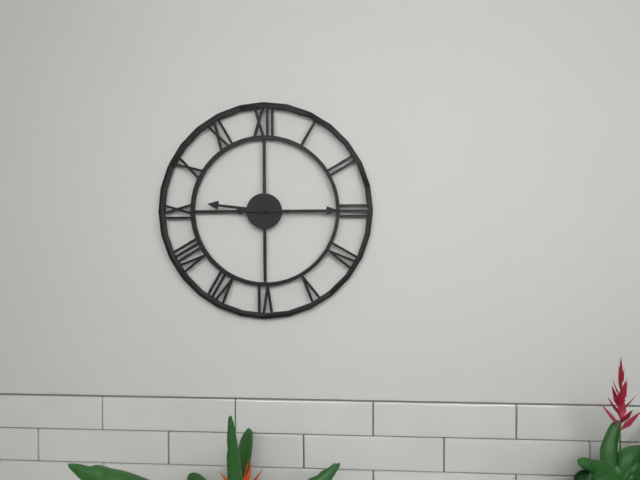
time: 9:15
